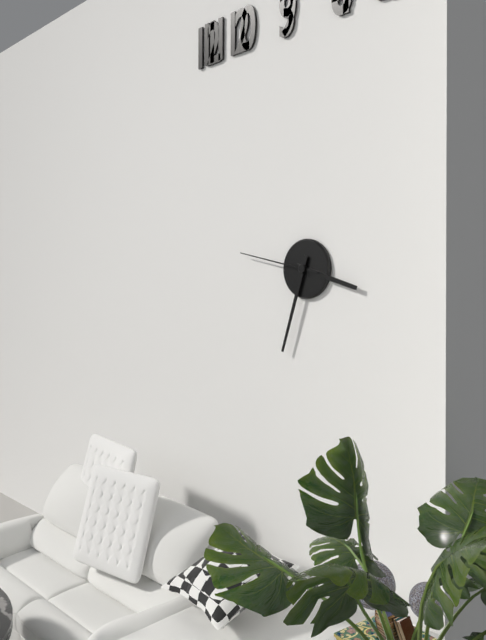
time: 3:33:47
